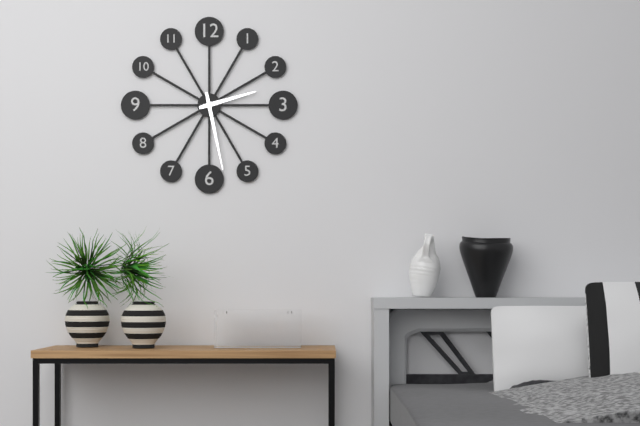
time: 2:28
